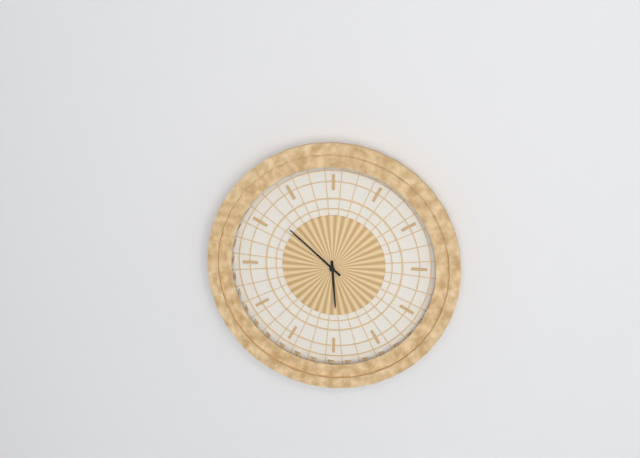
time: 5:52
